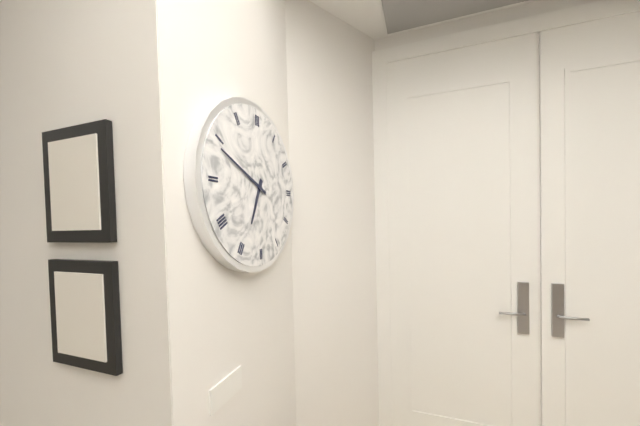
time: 6:49
